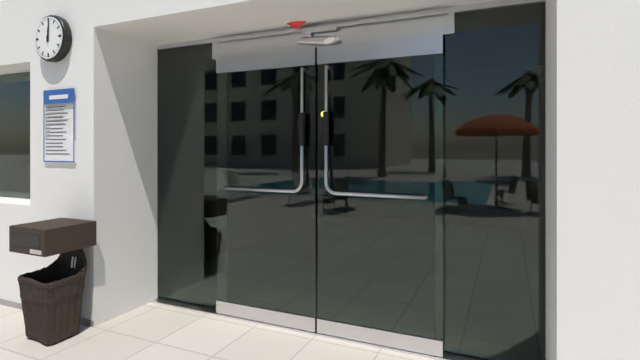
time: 12:01
